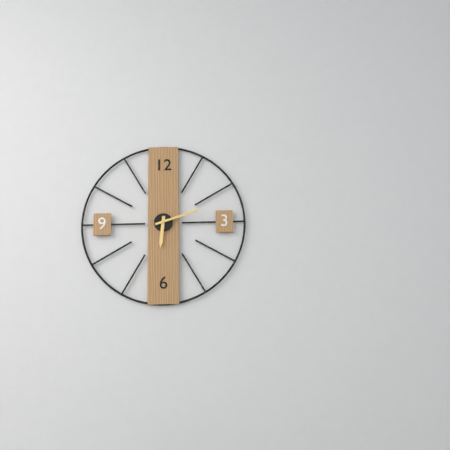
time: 6:12
